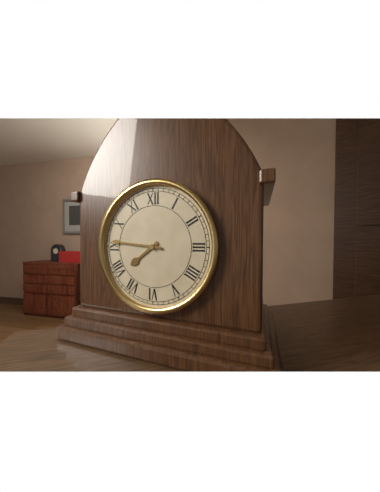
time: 7:46
